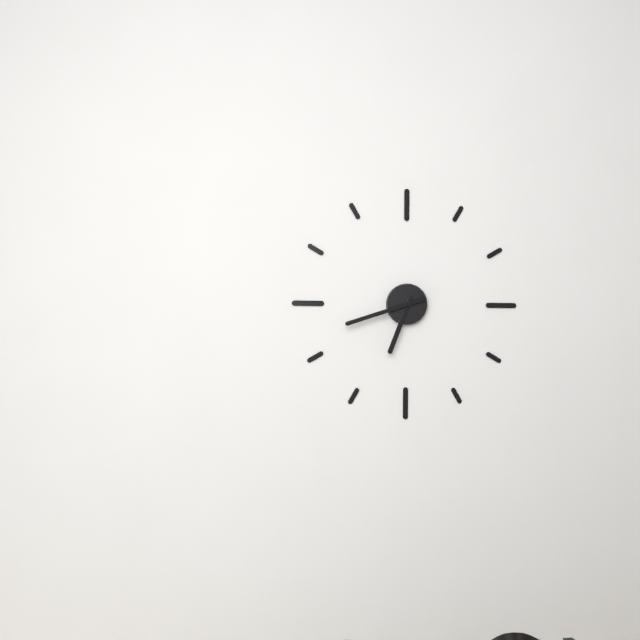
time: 6:42
